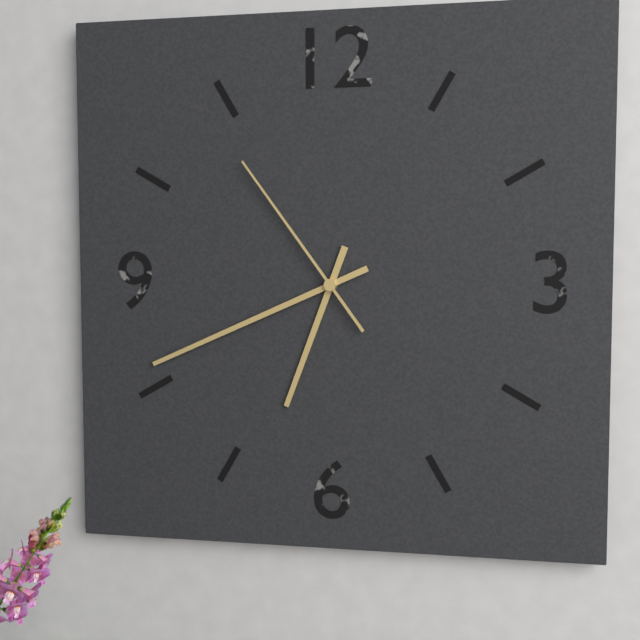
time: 6:41:54
